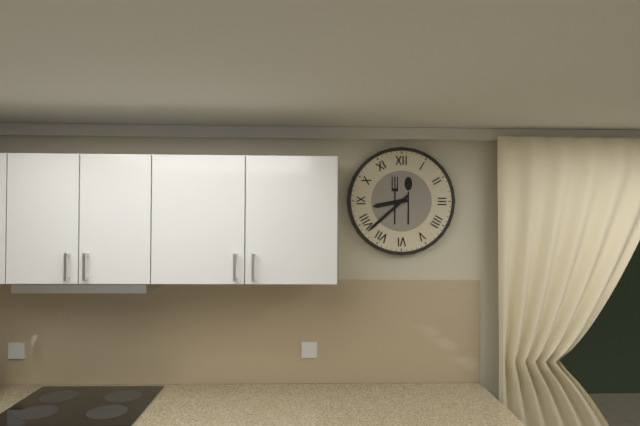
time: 8:38
